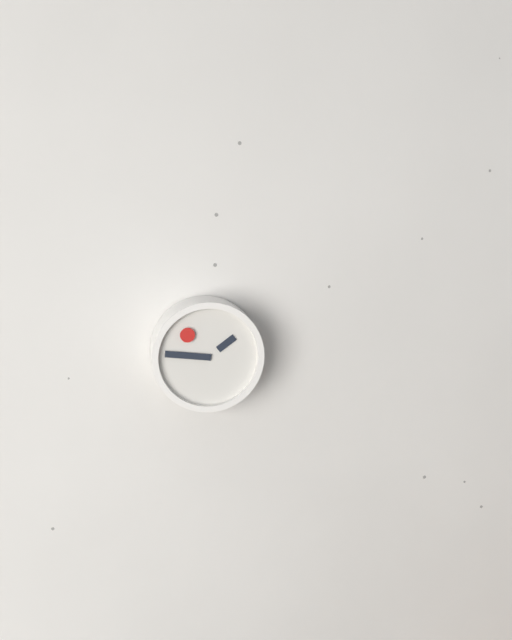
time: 1:46
